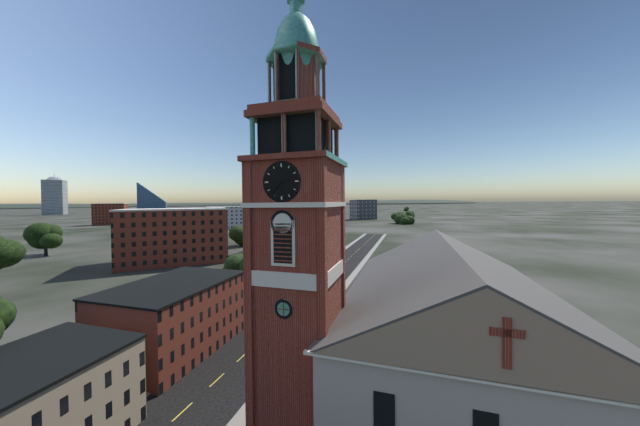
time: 2:37
